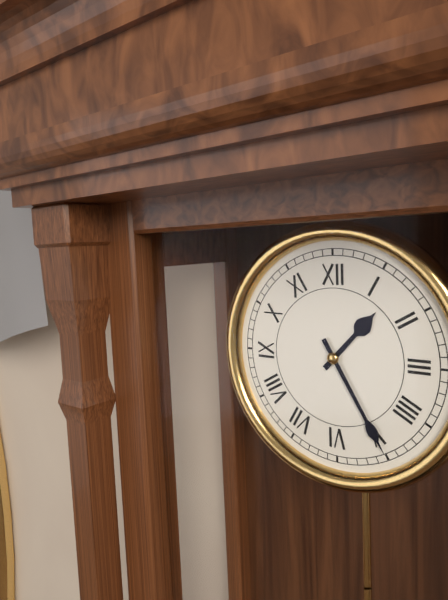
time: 1:25
